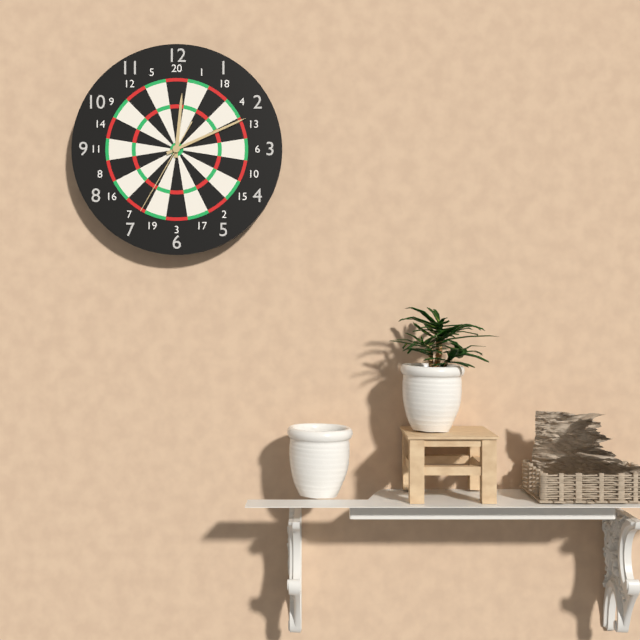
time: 12:11:35
